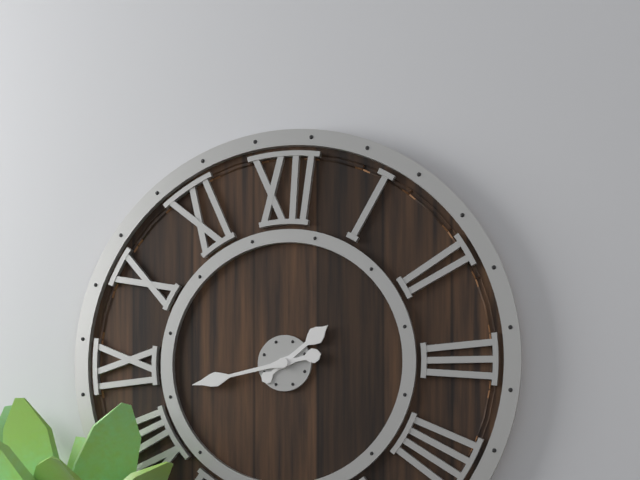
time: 1:43
